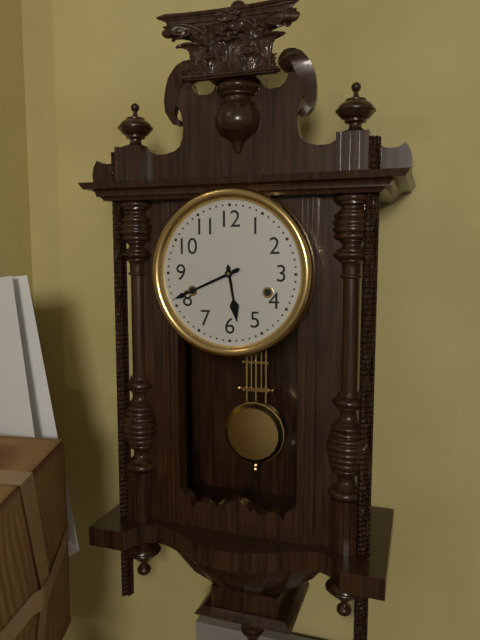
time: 5:41
